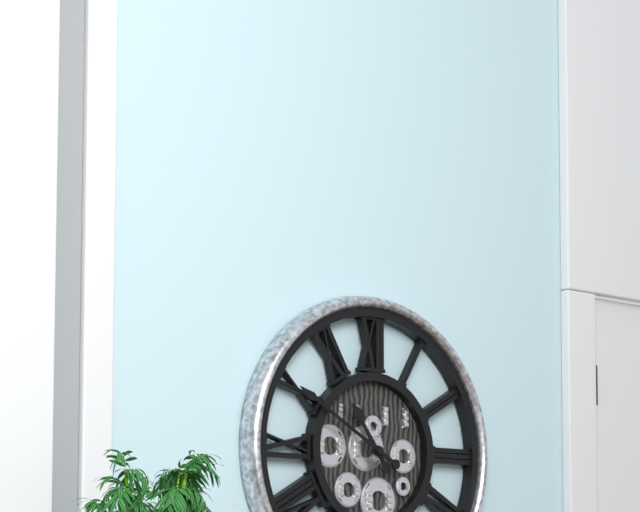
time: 10:50
